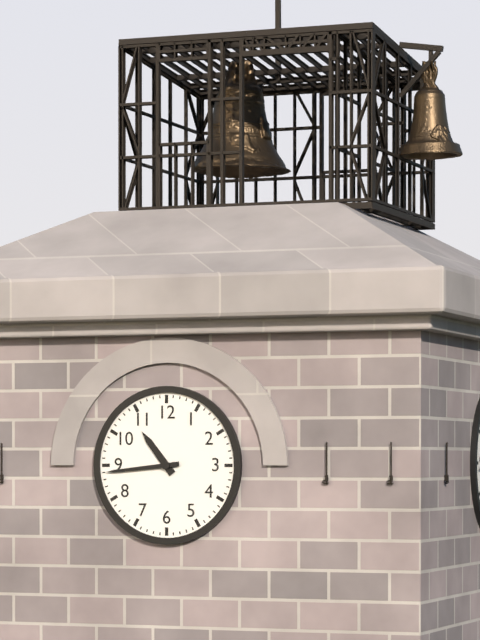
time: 10:44
